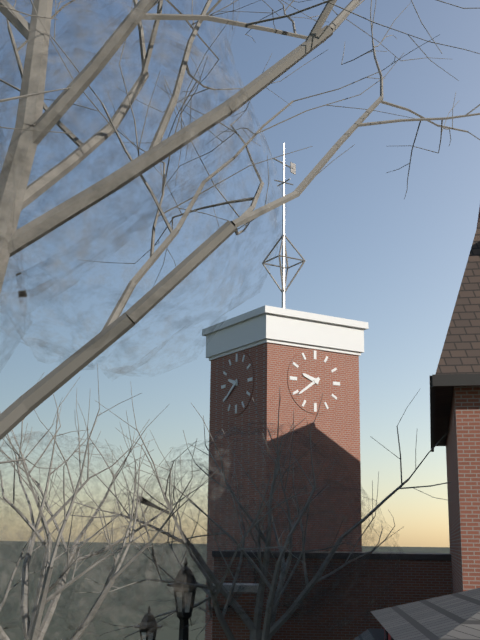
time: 9:39
